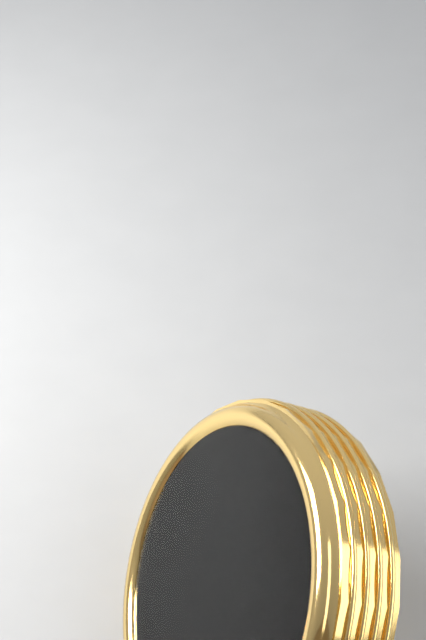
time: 2:55:13
